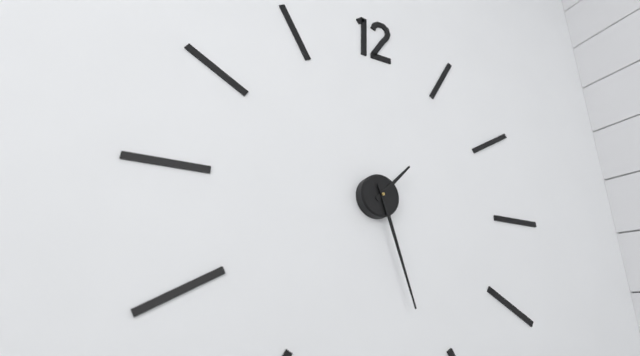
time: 1:27
